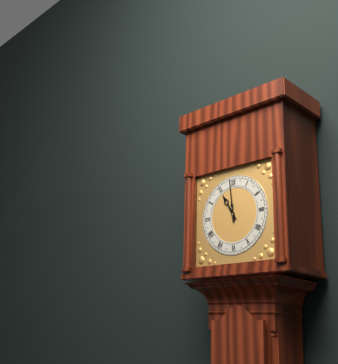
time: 10:59
